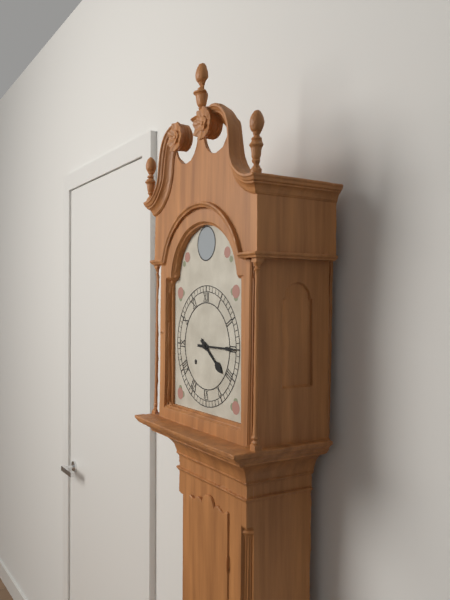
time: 4:15
